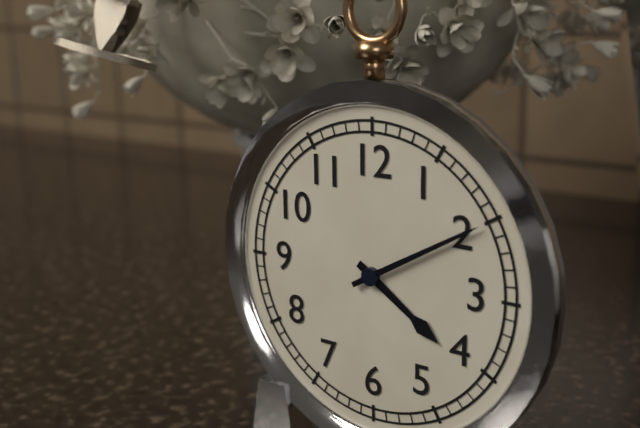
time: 4:10
